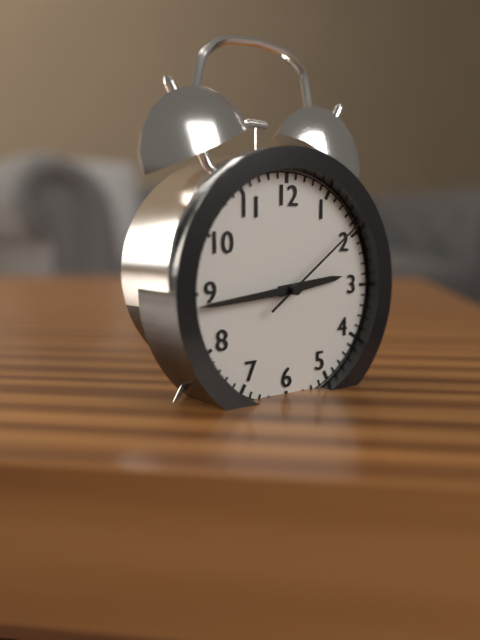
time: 2:44:09
